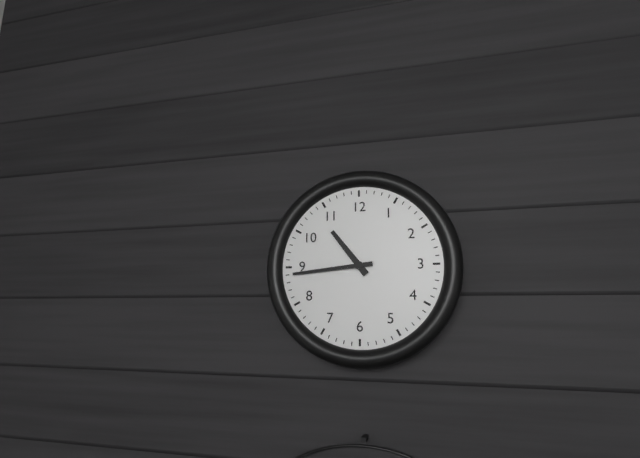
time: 10:44
